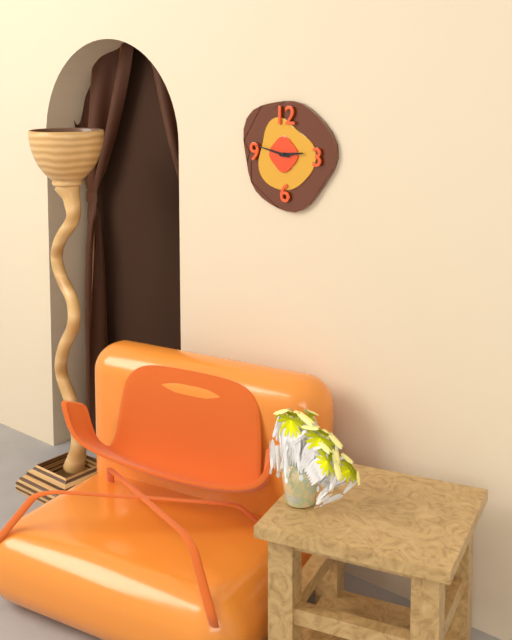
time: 2:47
